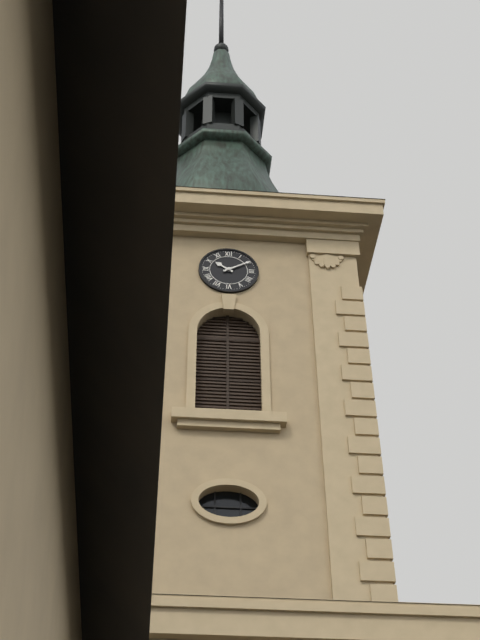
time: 10:10
